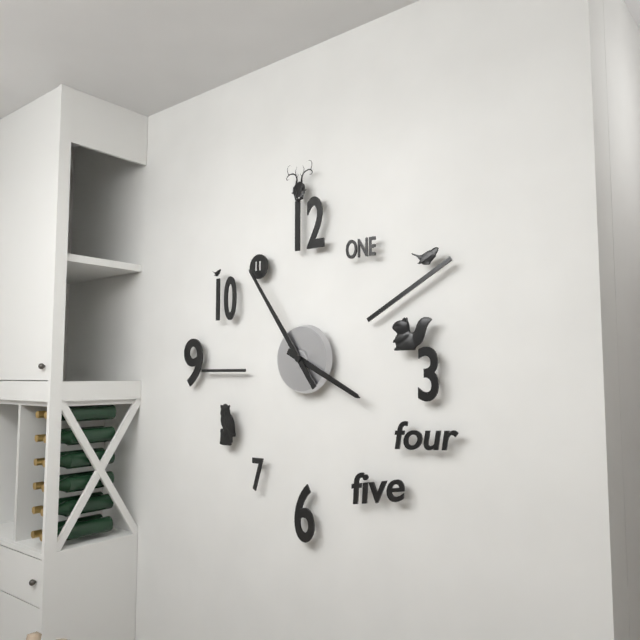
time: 3:54
